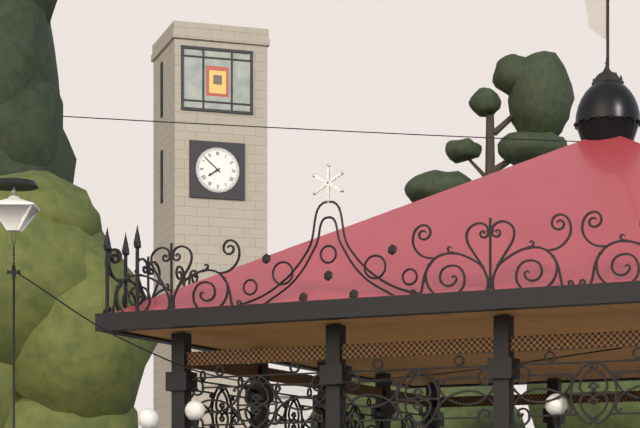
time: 7:52
